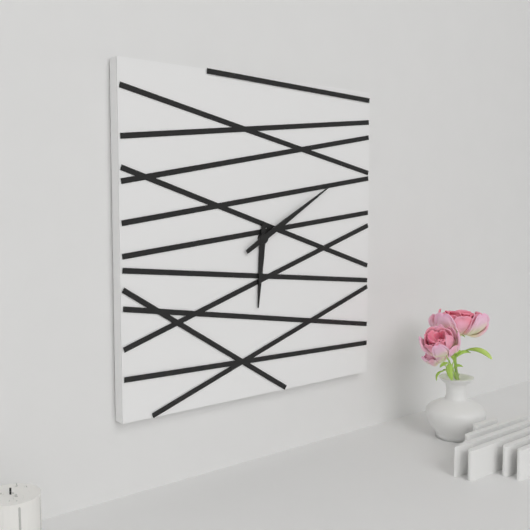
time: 6:10
